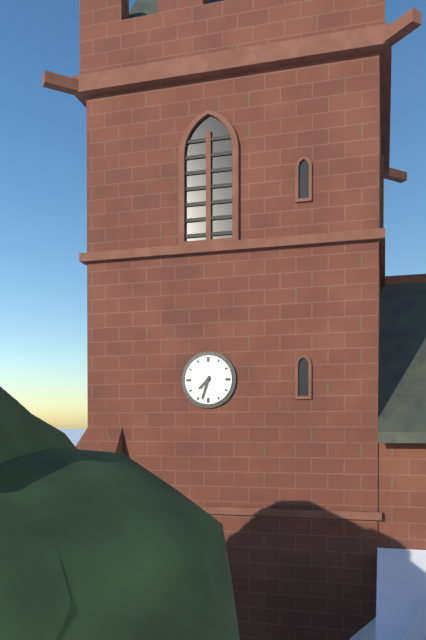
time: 7:33
